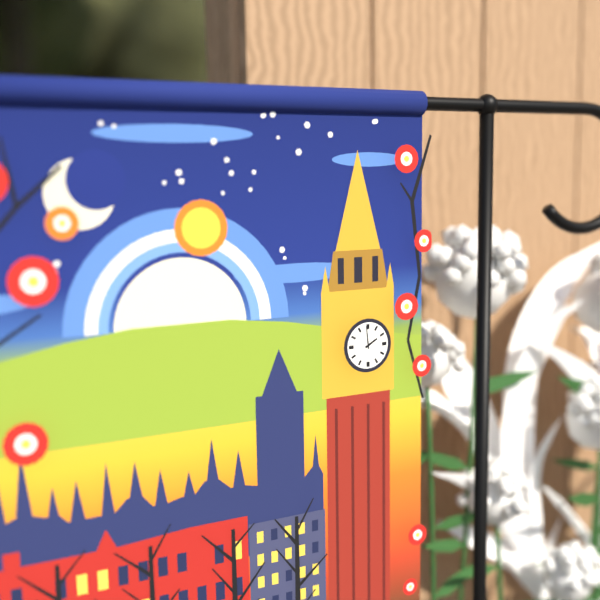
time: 1:59
